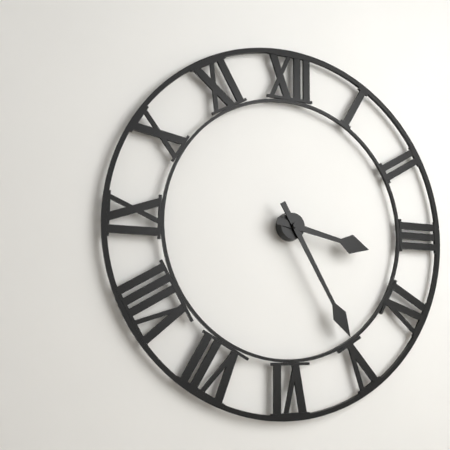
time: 3:25
